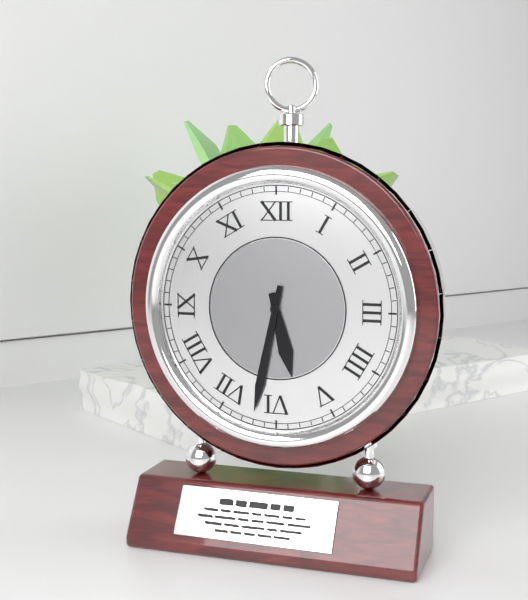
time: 5:32
